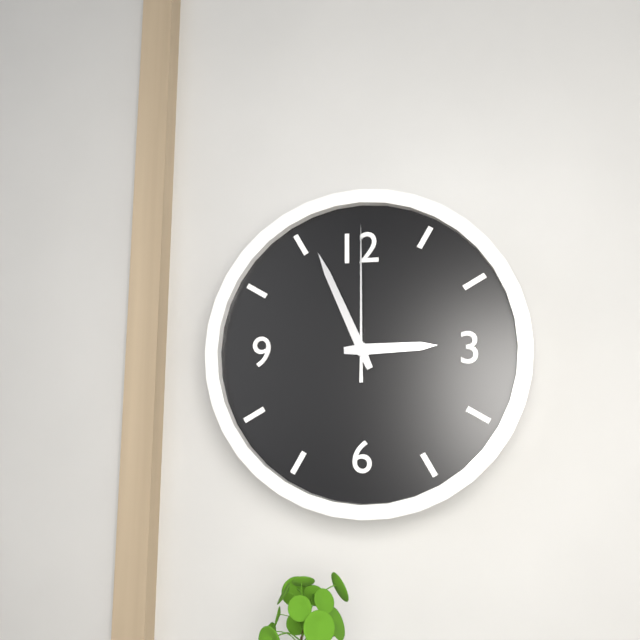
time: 2:56:00
